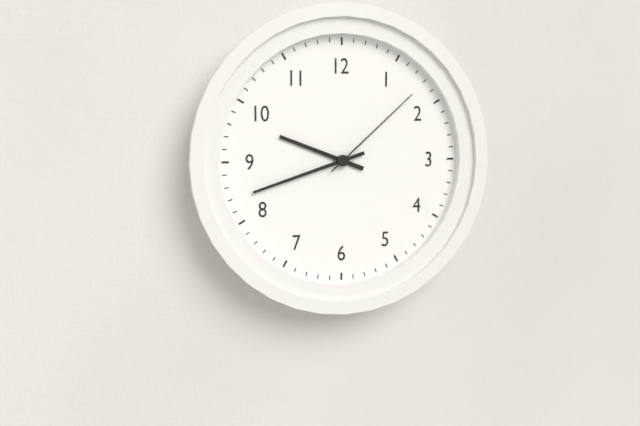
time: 9:42:08
